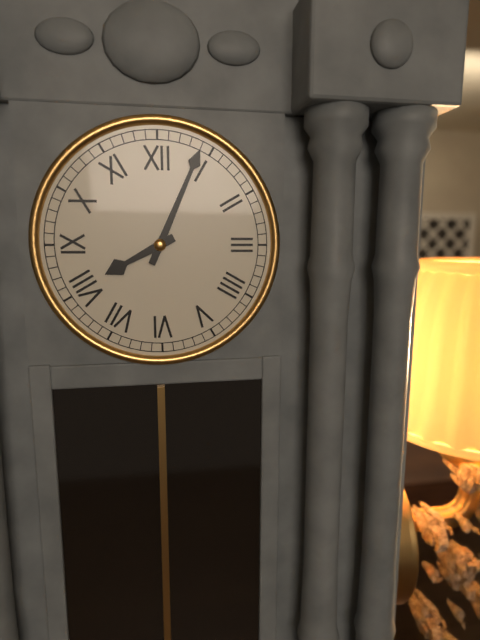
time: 8:04
